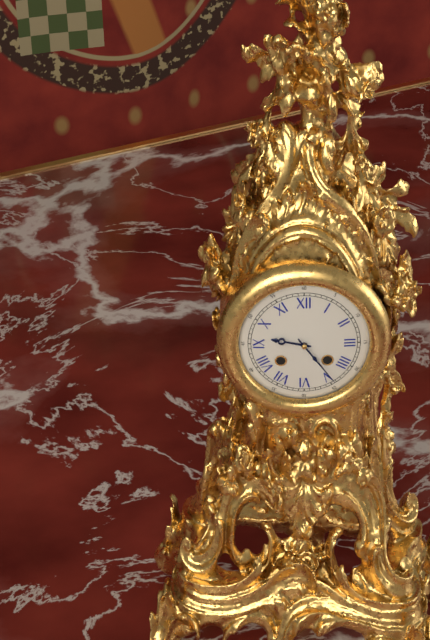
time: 9:24
